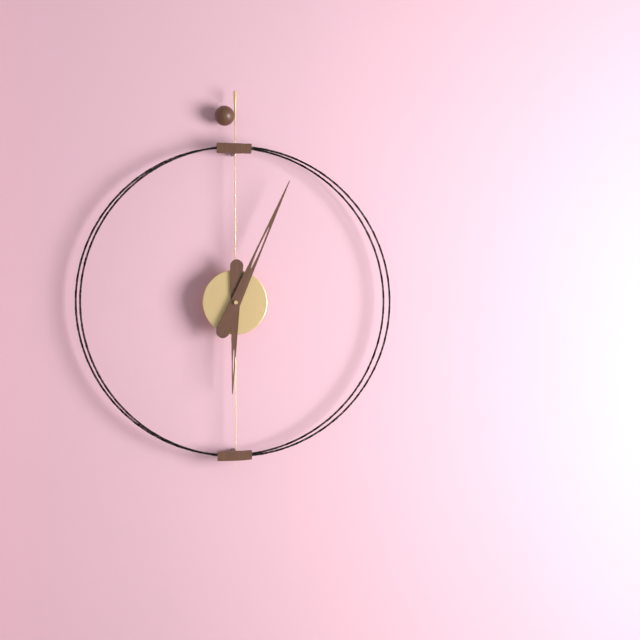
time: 6:04
